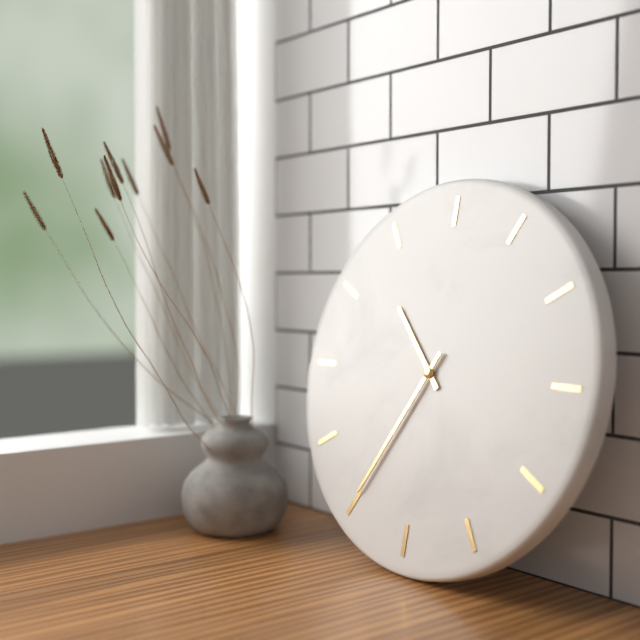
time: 10:35
